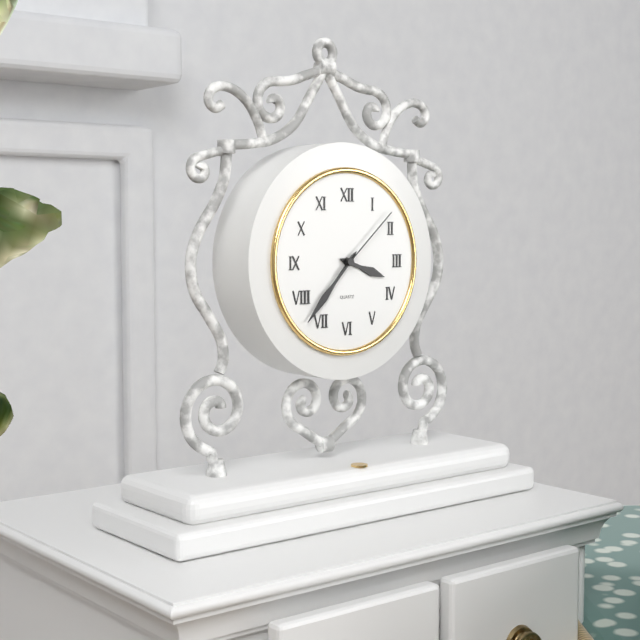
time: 3:37:08
